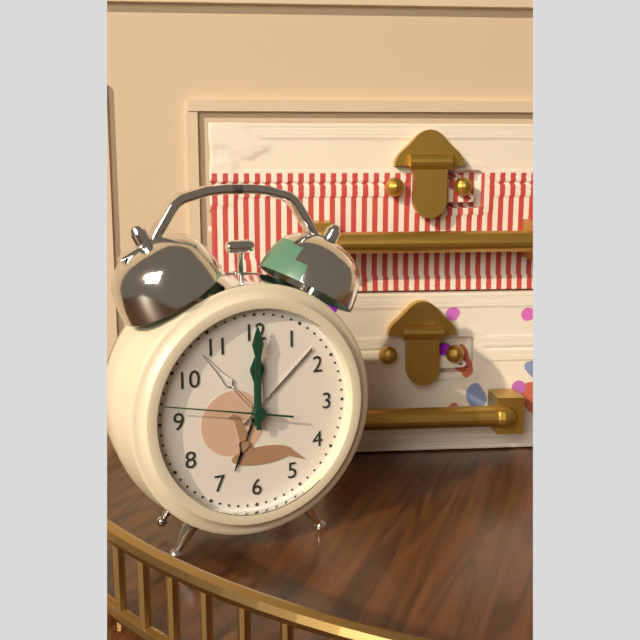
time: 12:00:47
